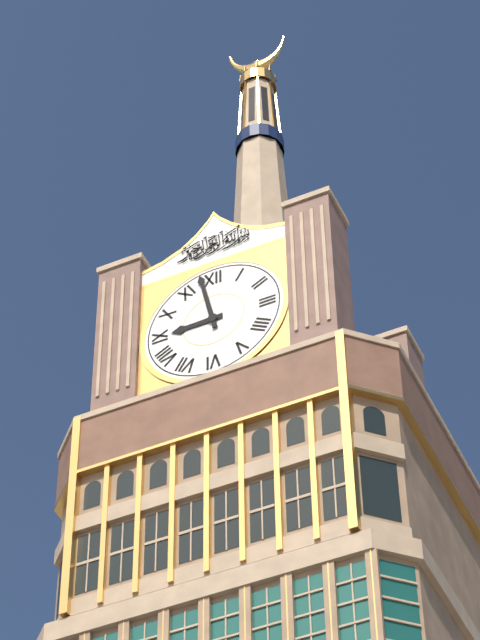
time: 8:58
